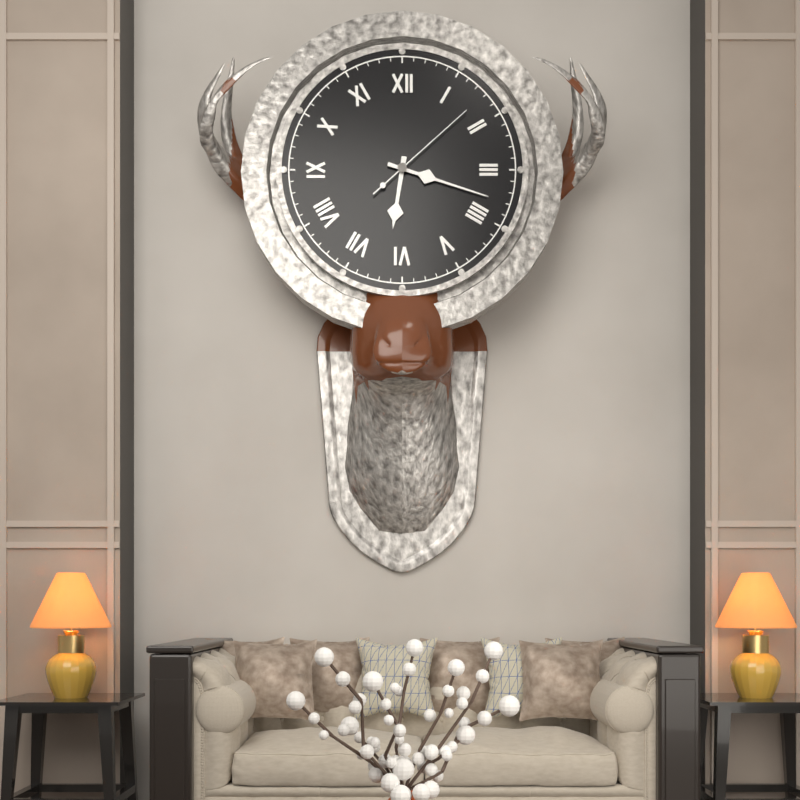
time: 6:18:08
